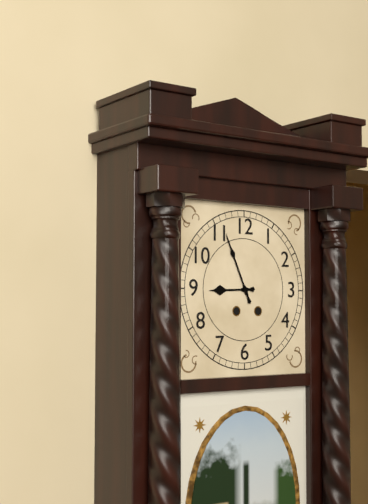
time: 8:56
